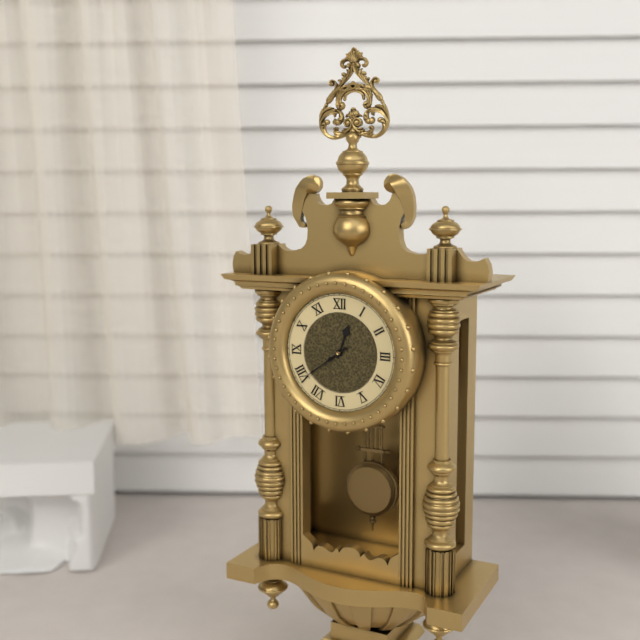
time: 12:39
